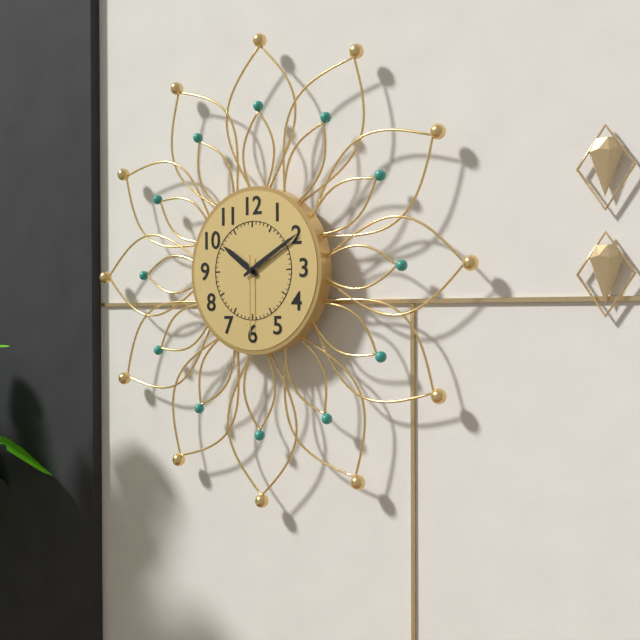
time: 10:10:30
